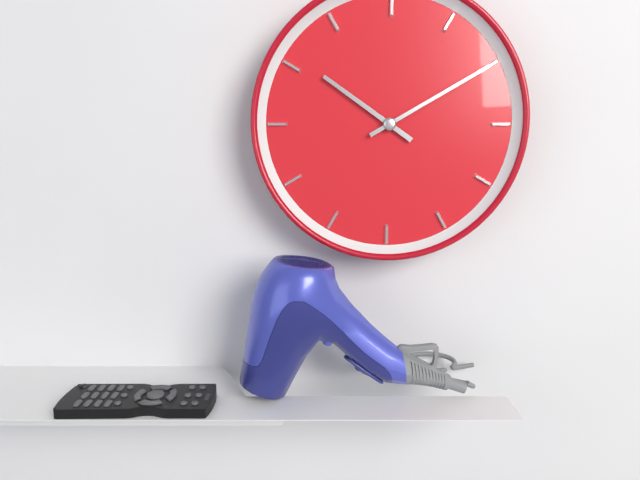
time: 10:10
